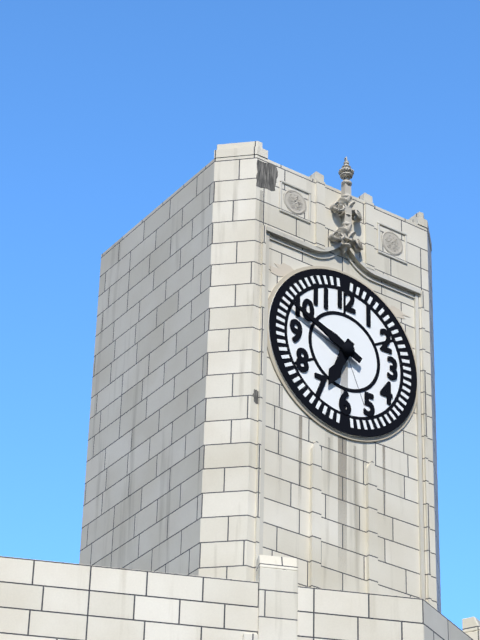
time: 6:49
